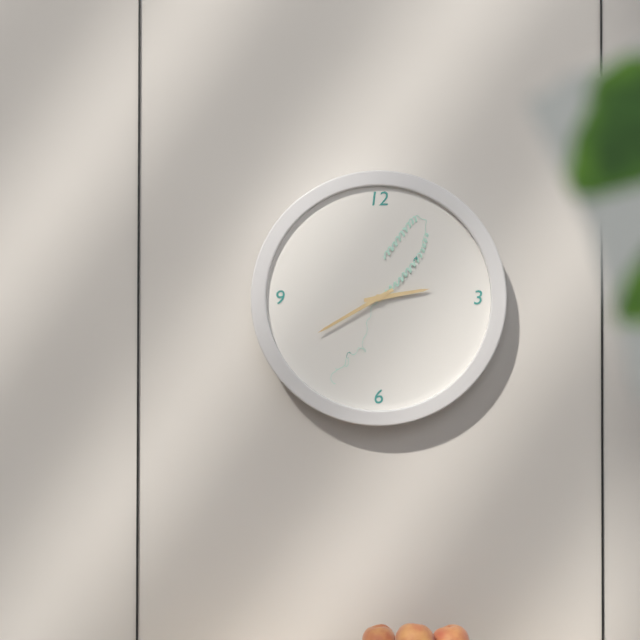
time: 2:40
